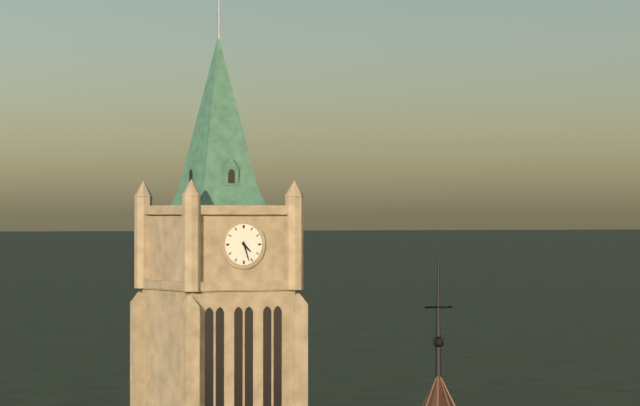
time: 4:27
